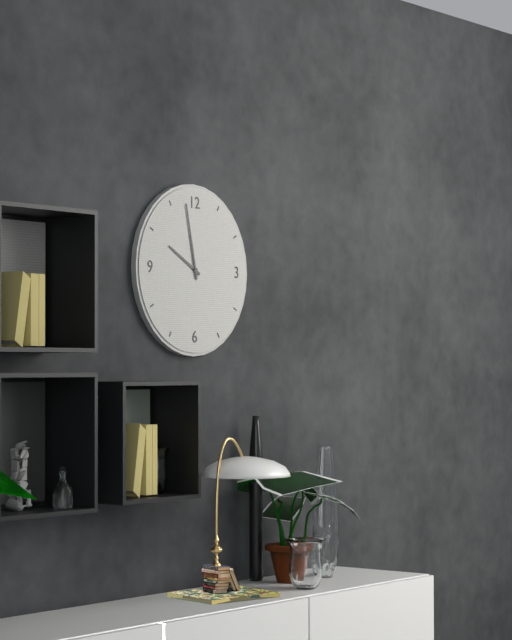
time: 9:58
